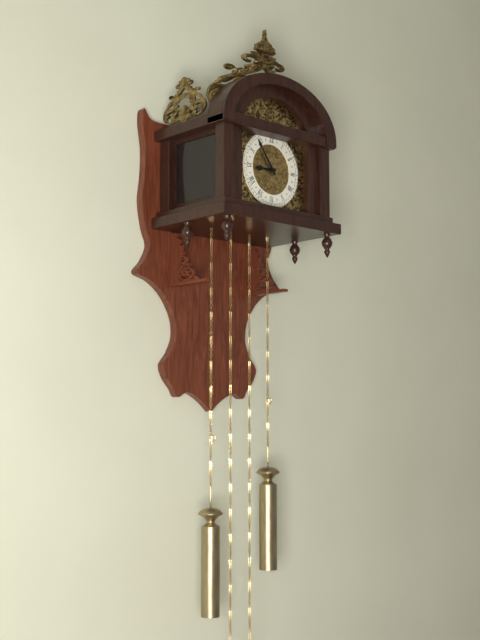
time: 8:54
